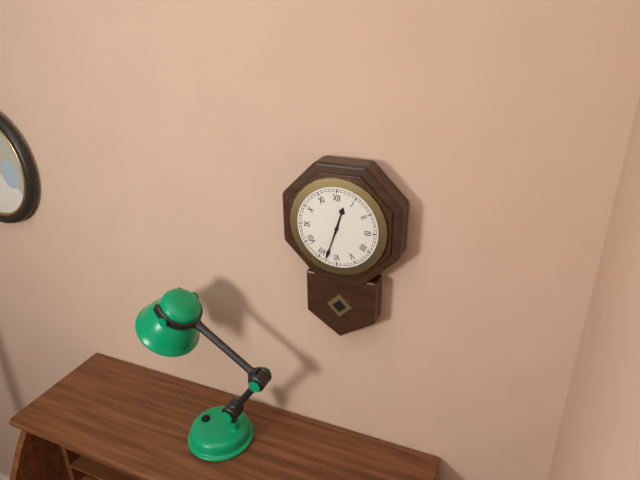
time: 12:33
